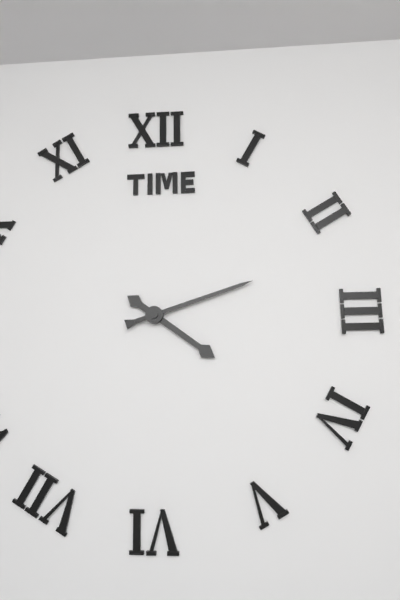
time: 4:12
